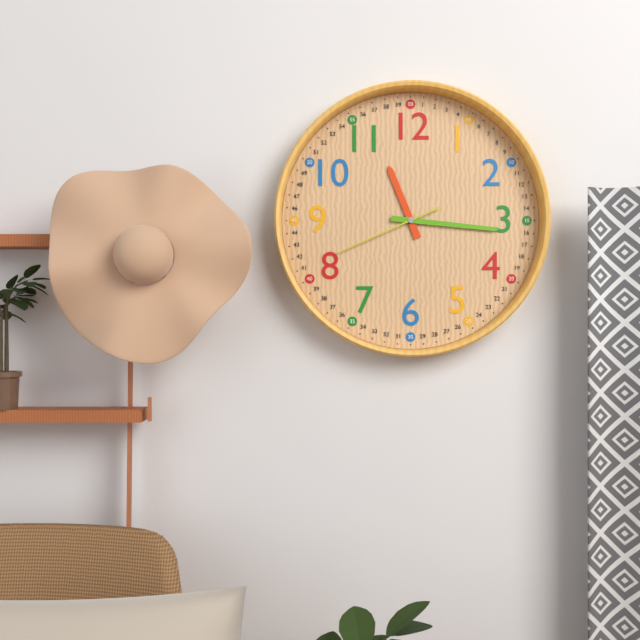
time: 11:16:41
